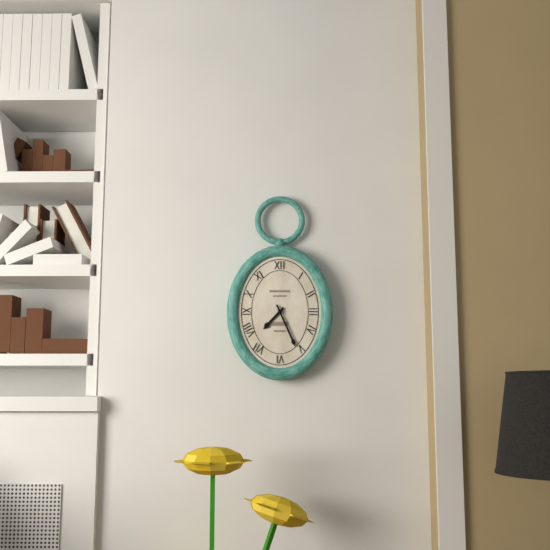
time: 7:26
